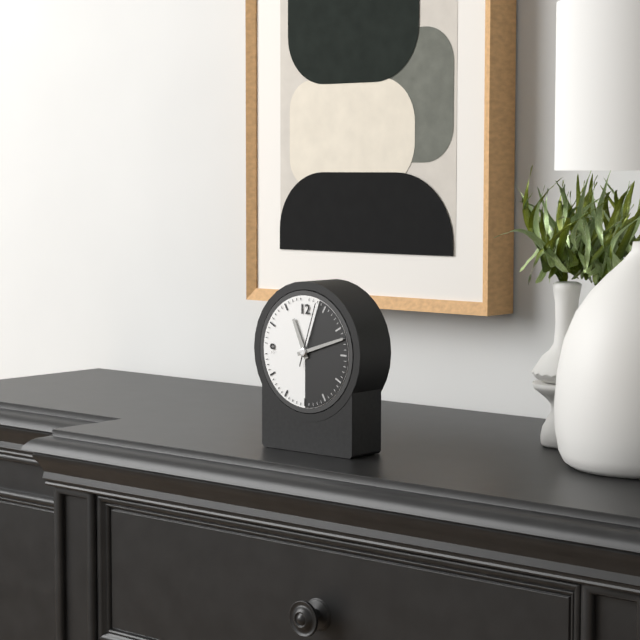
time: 11:12:03
